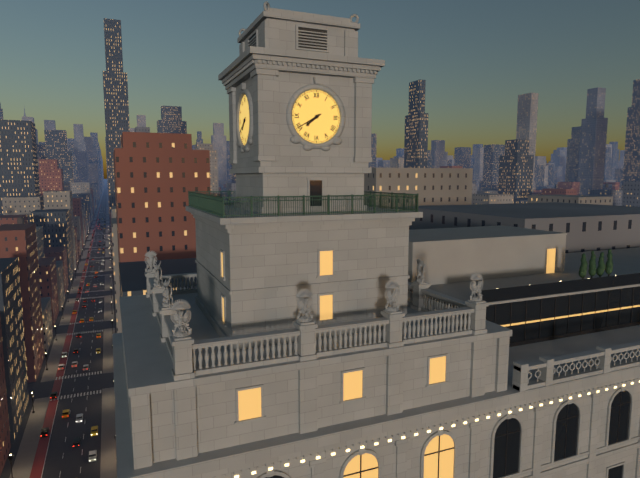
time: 7:40
